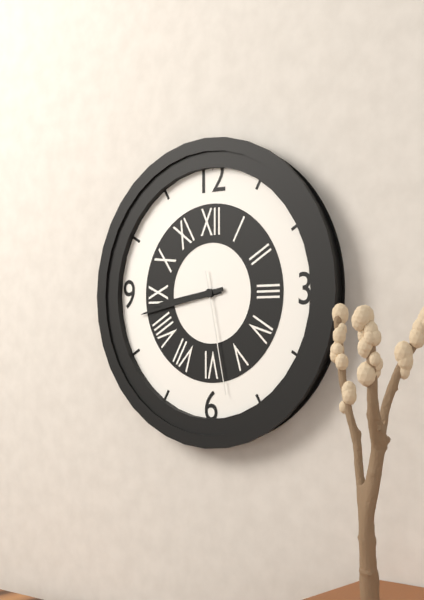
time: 8:43:28
